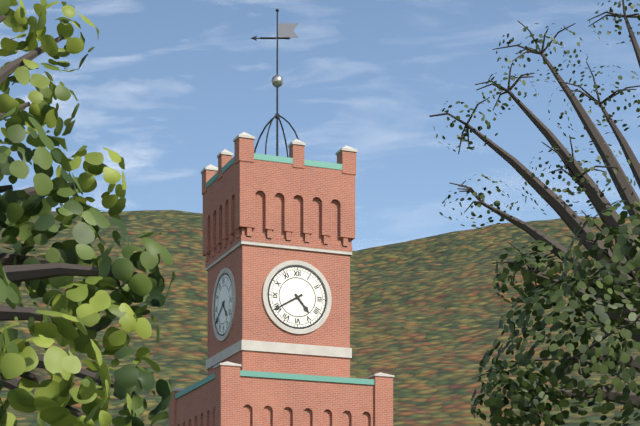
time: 4:40
